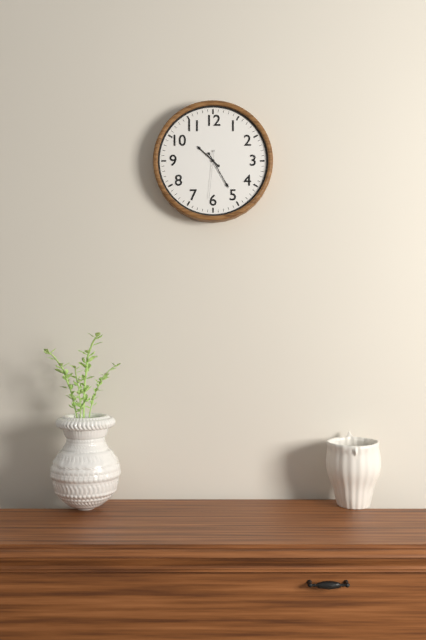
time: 10:25
